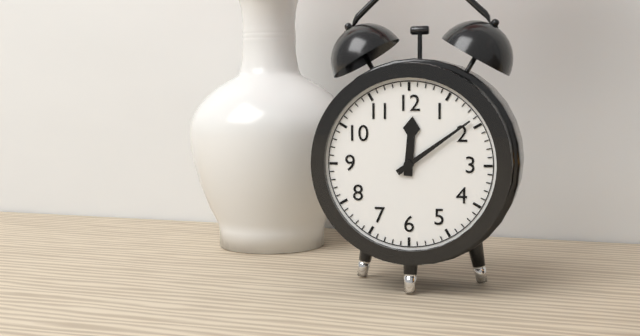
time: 12:09
